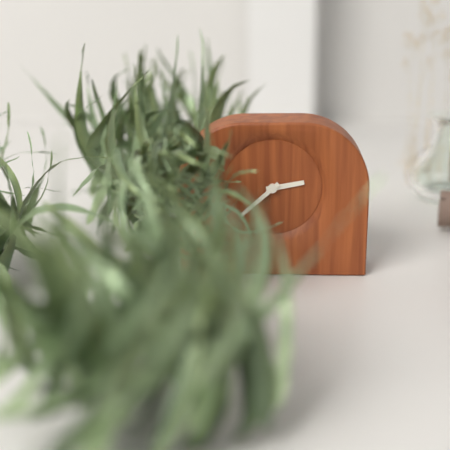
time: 2:38
